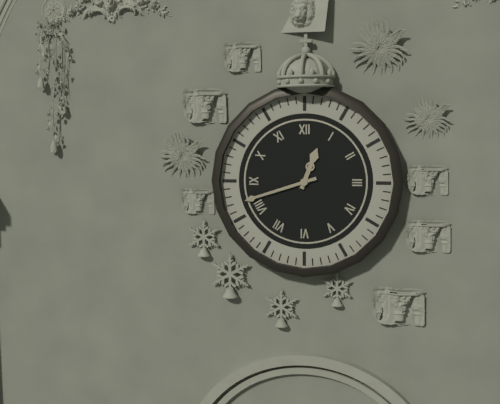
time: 12:42
